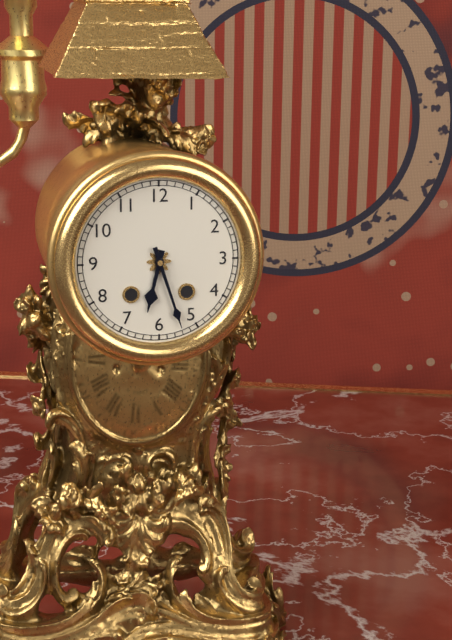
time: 6:27
